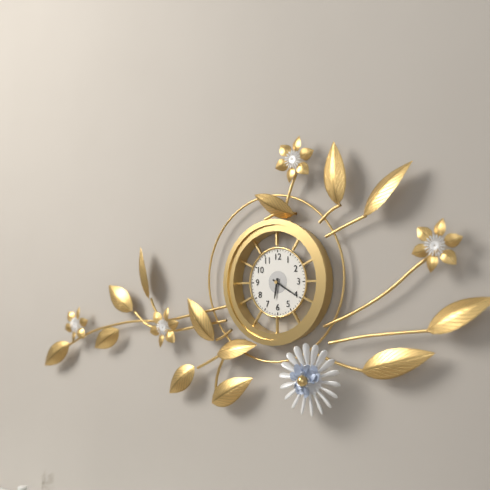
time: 6:20
